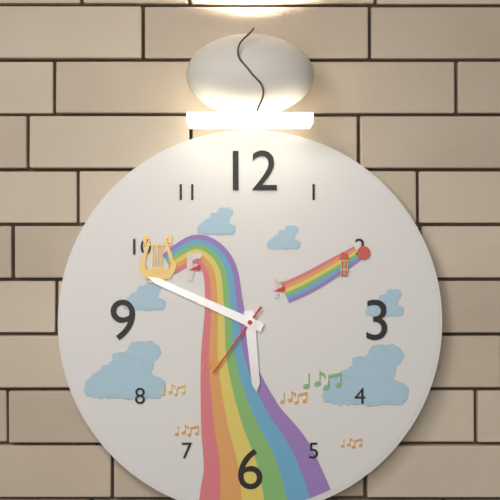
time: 5:49:36
